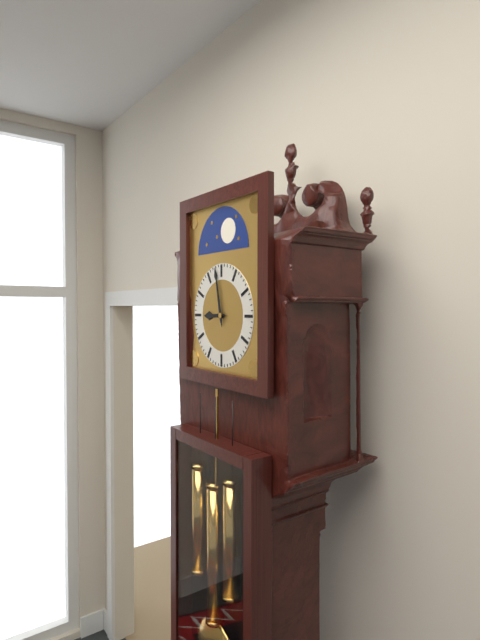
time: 8:58
